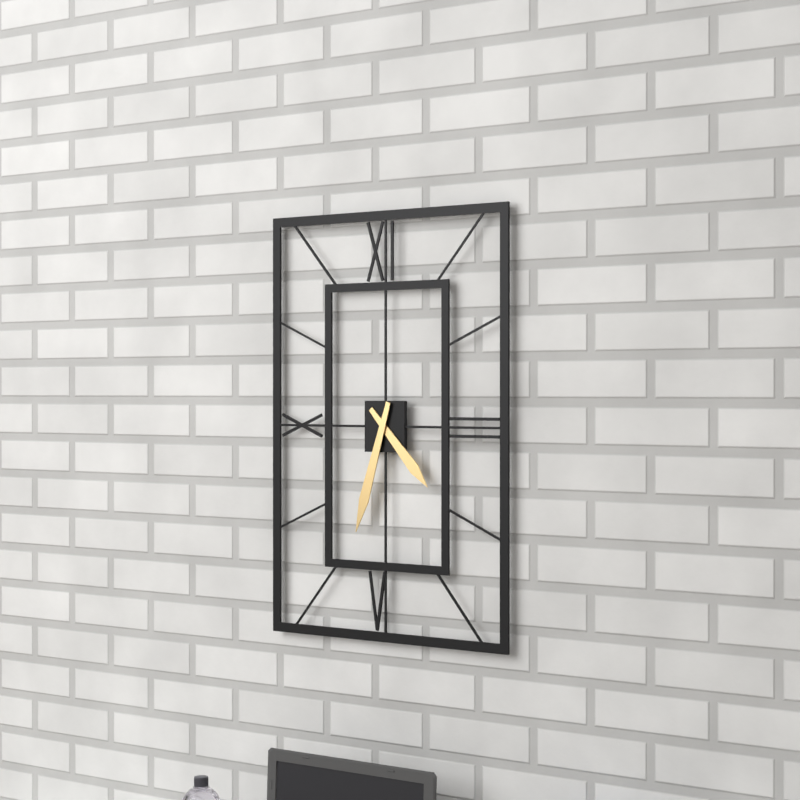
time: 4:33
